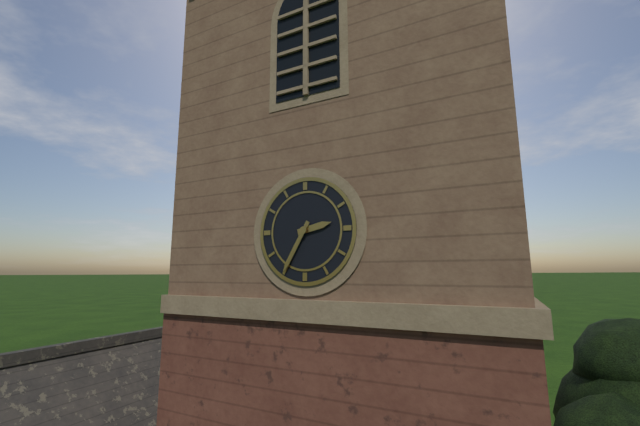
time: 2:35
